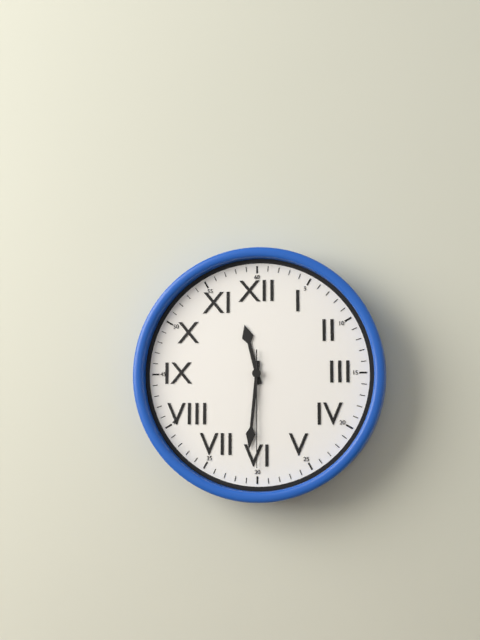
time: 11:31:30
